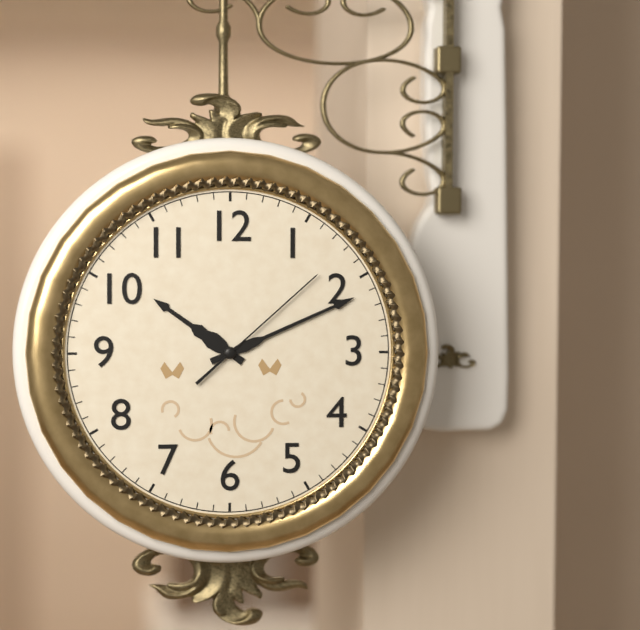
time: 10:11:08
